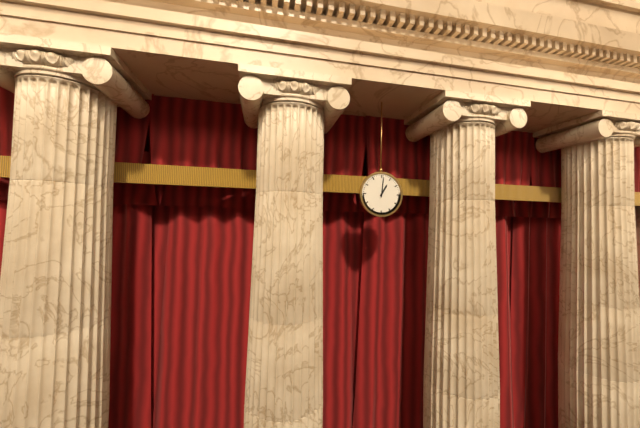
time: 1:01
